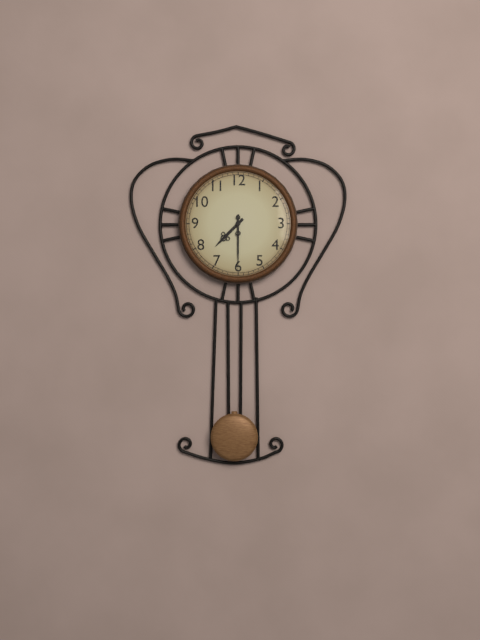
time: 7:30
